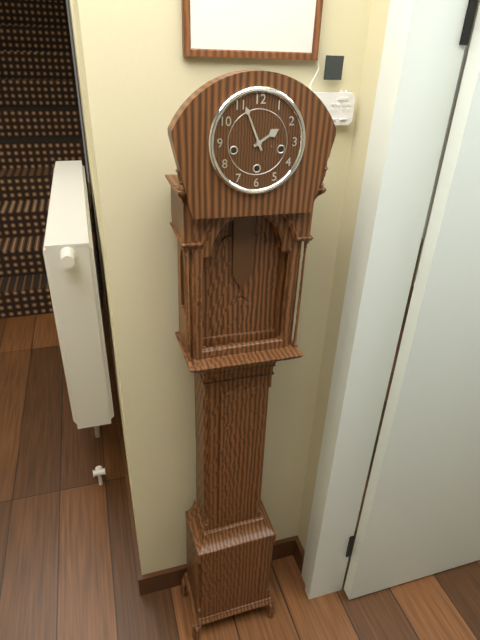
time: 1:56
